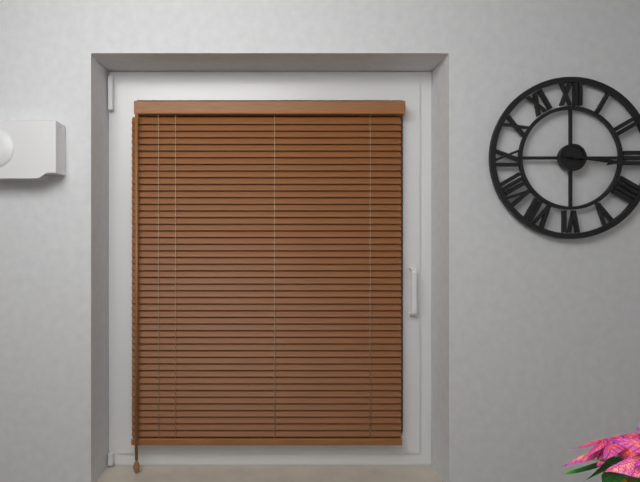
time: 3:16
